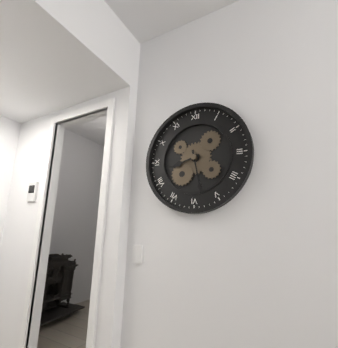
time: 8:28
